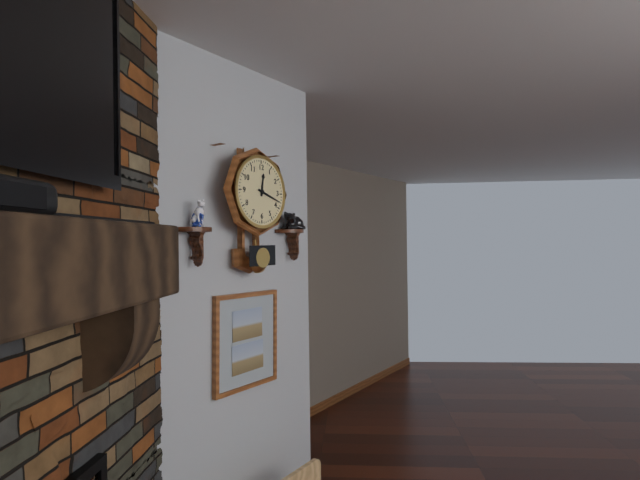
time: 12:18
